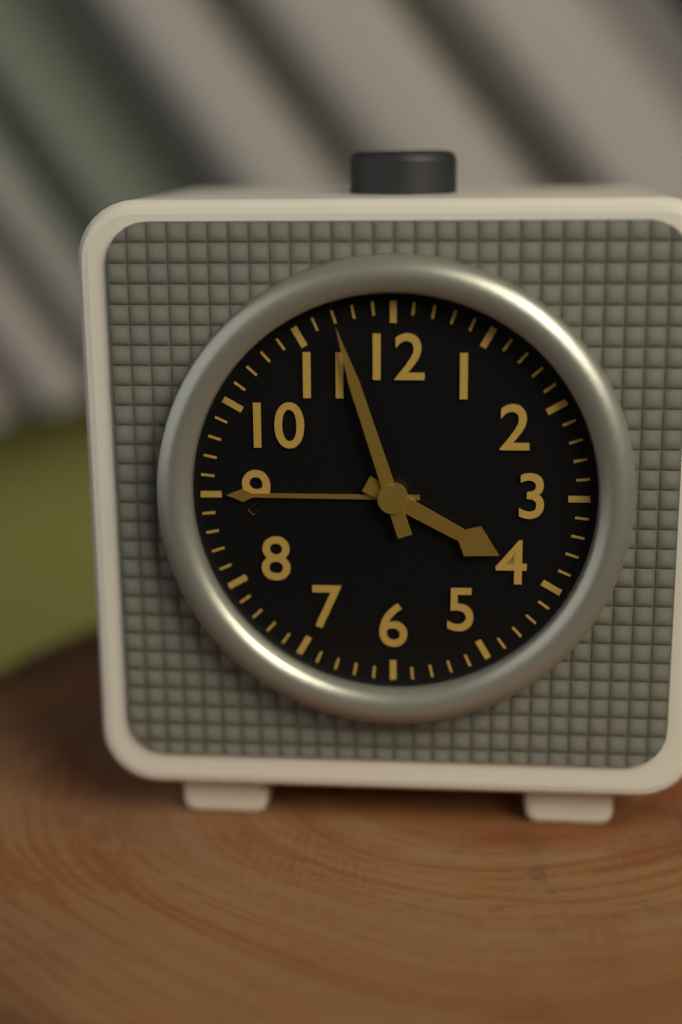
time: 3:57
